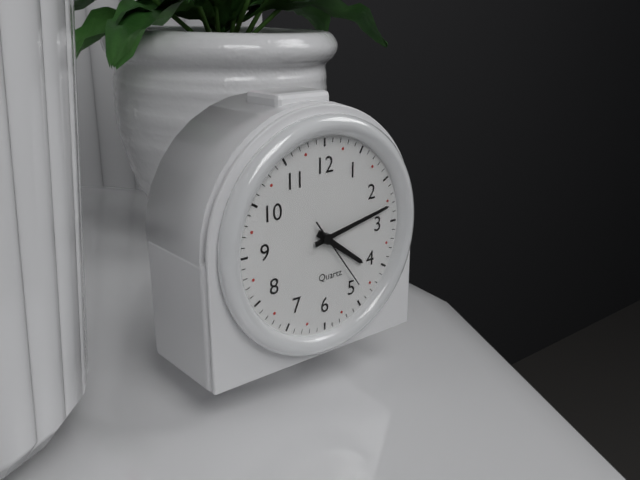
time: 4:13:24
